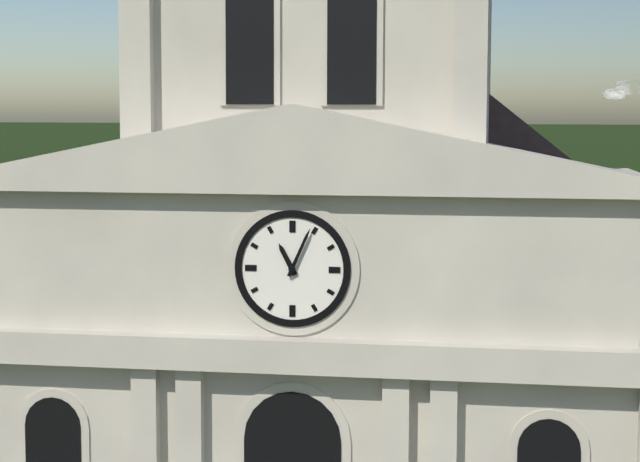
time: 11:04
